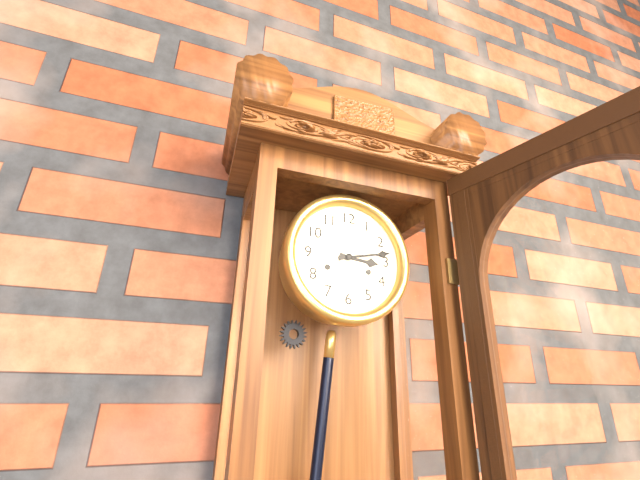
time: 3:13
